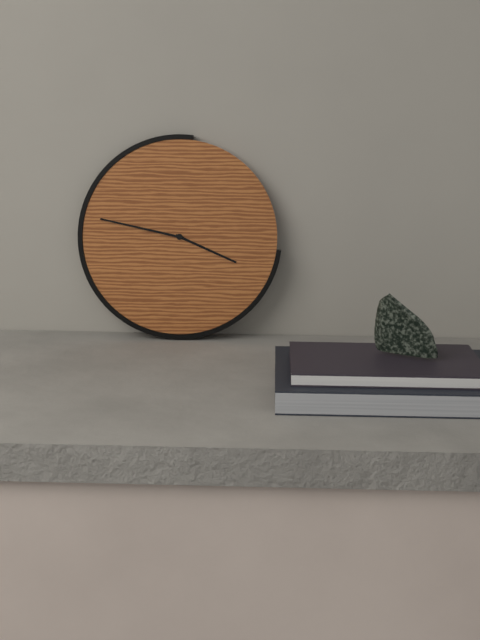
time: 3:47
